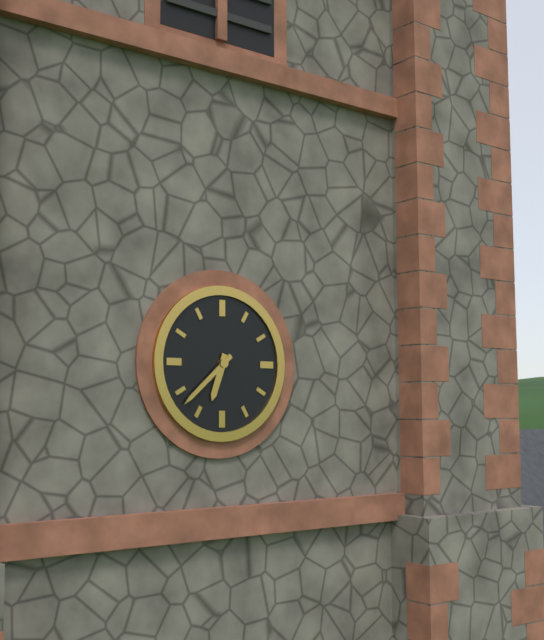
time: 6:38
